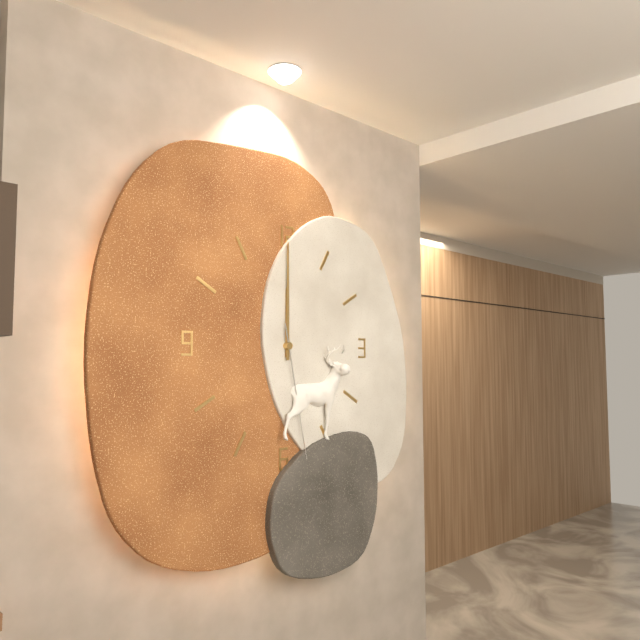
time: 12:00:28
